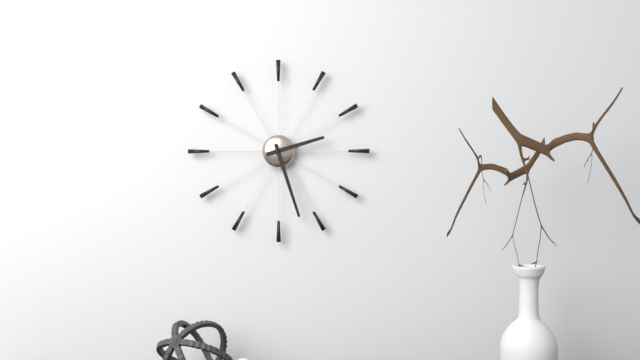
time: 2:27
